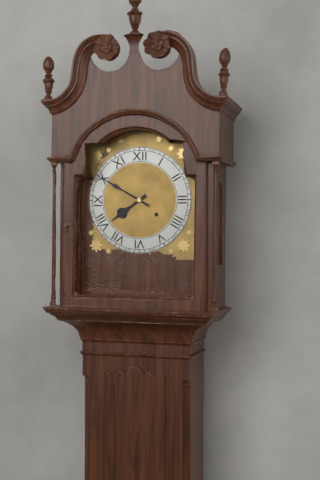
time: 7:50
